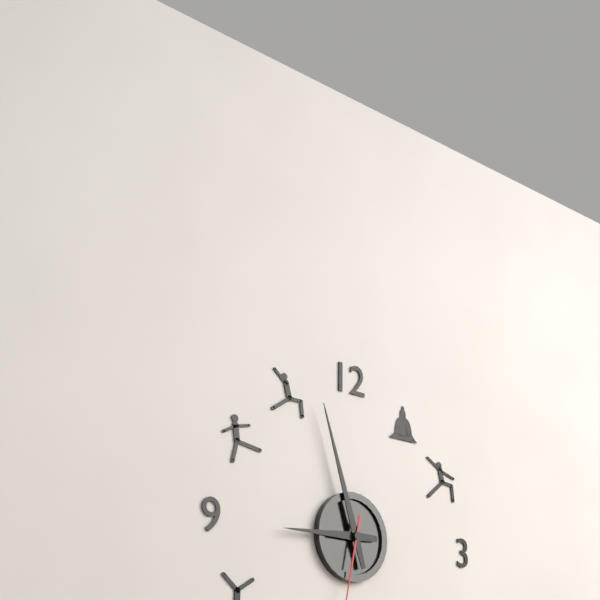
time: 8:57
